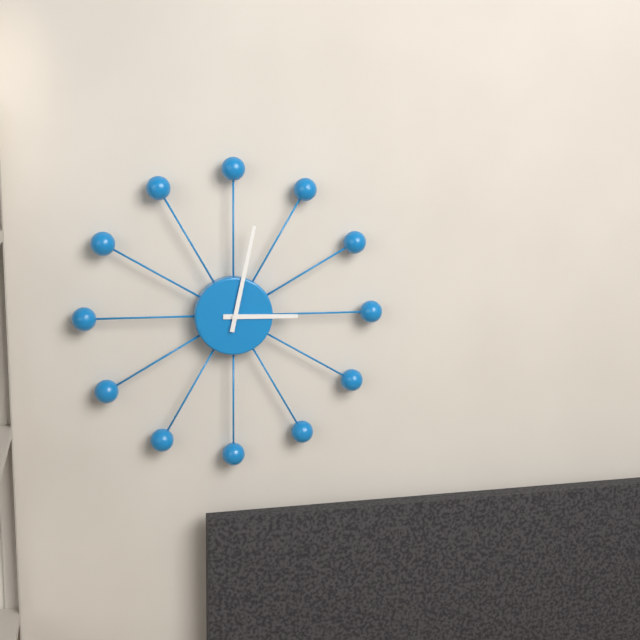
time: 3:02
